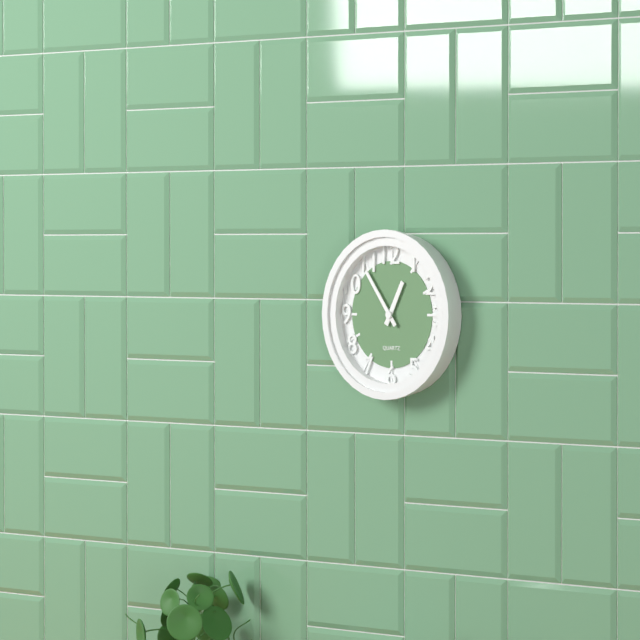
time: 12:54
